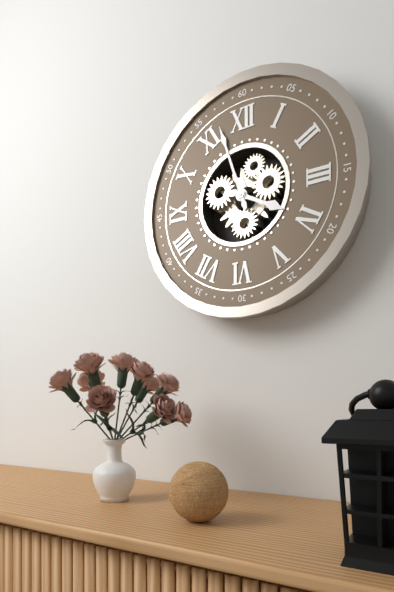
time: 3:57
